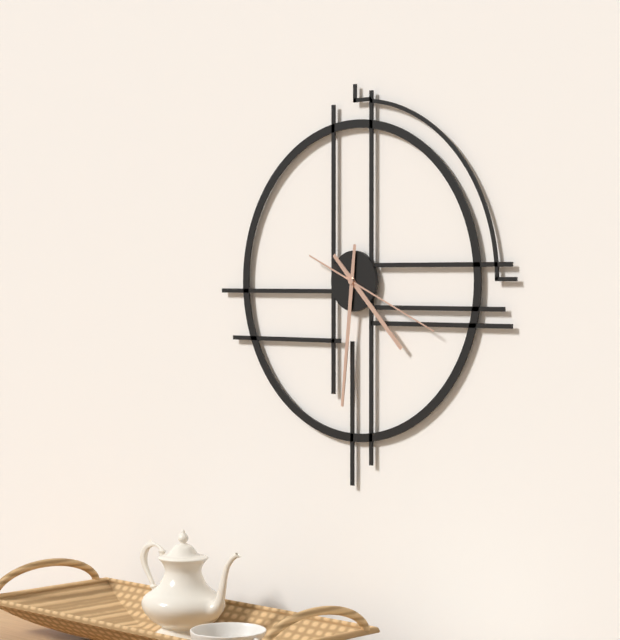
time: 4:31:19
